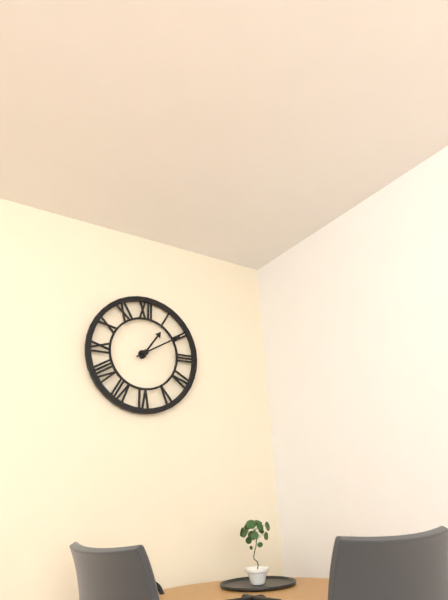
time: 1:10
